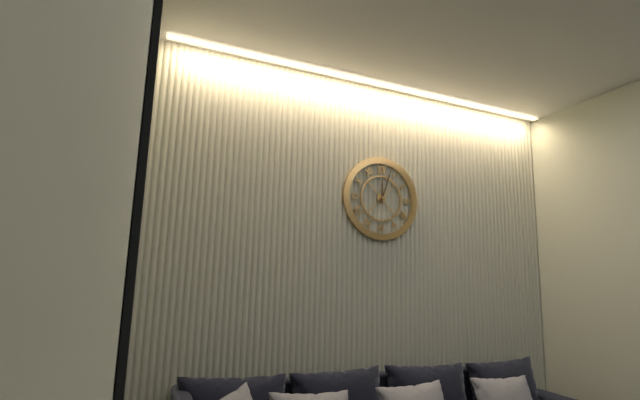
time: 12:03
